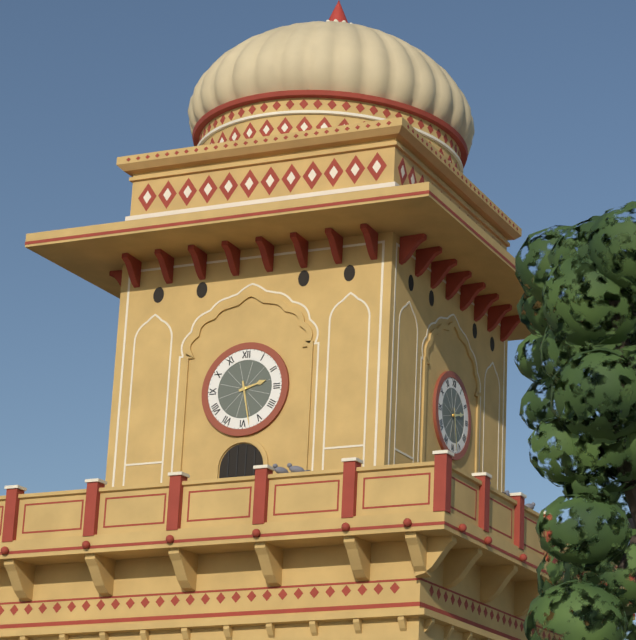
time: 2:28
